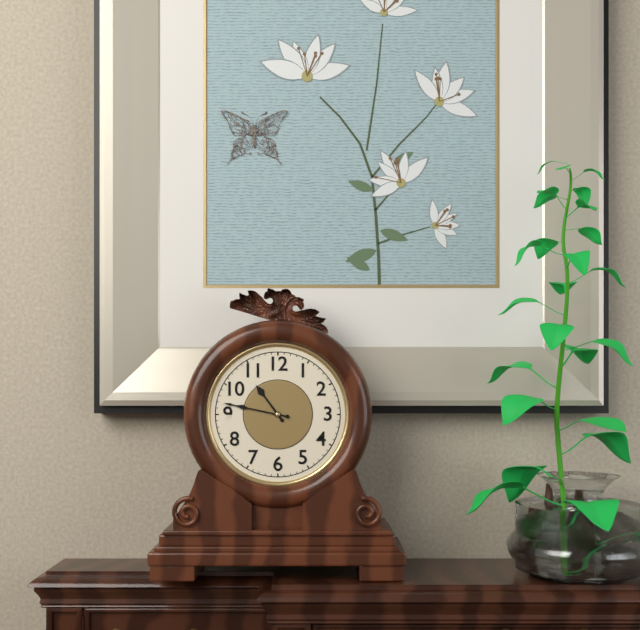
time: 10:47
